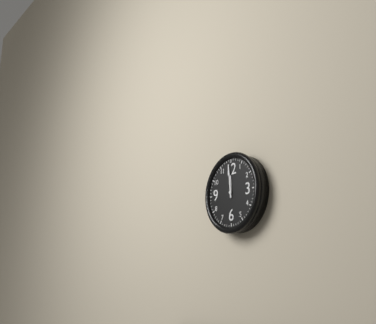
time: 11:59
